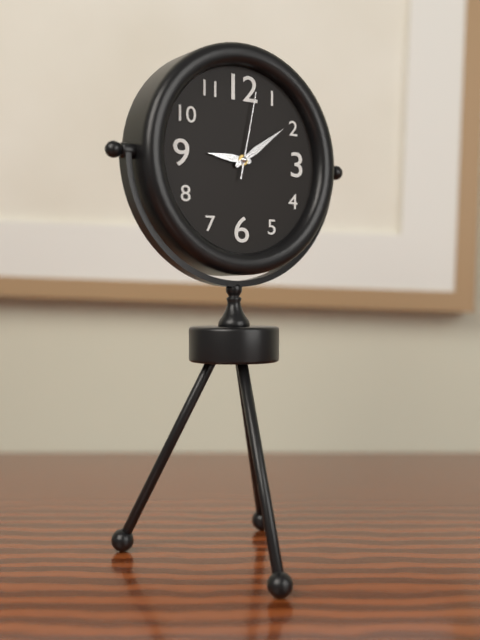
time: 9:09:02
